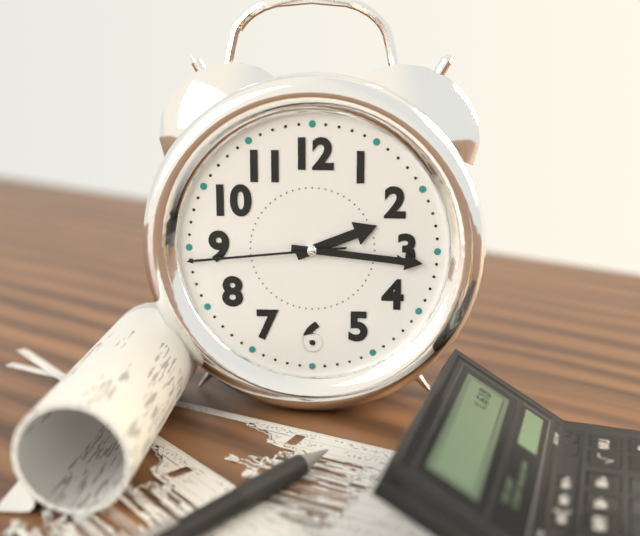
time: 2:16:44
